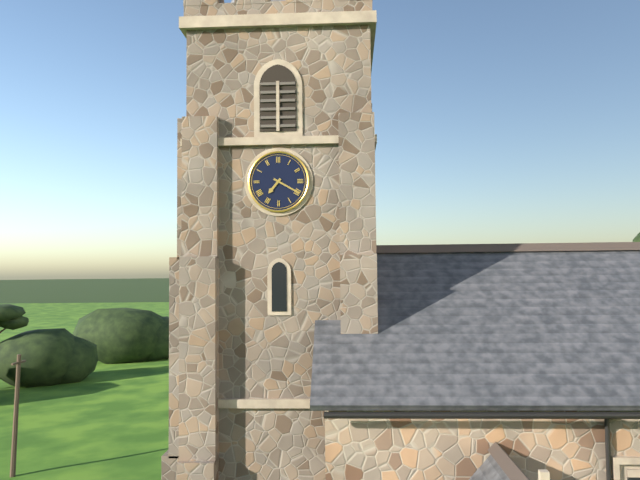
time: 7:20
